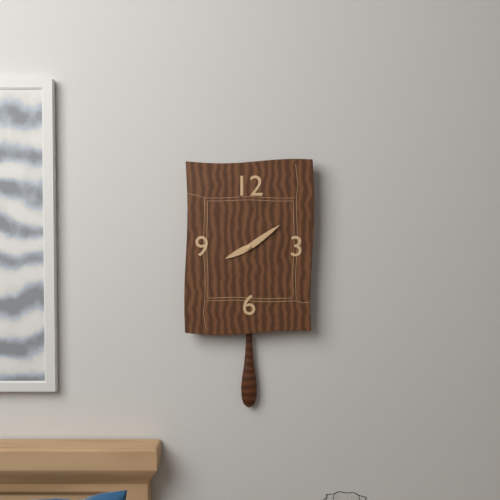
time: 8:09
